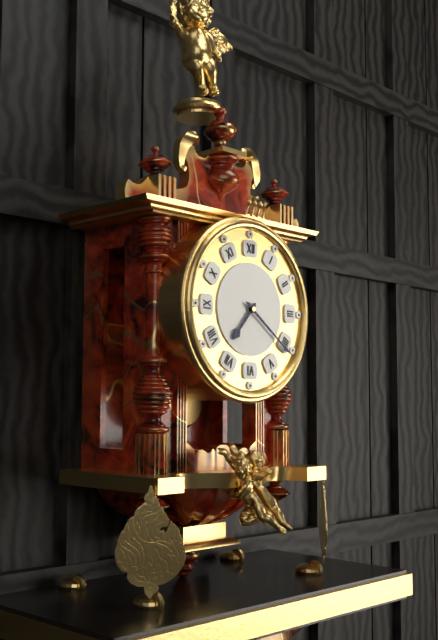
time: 7:21
